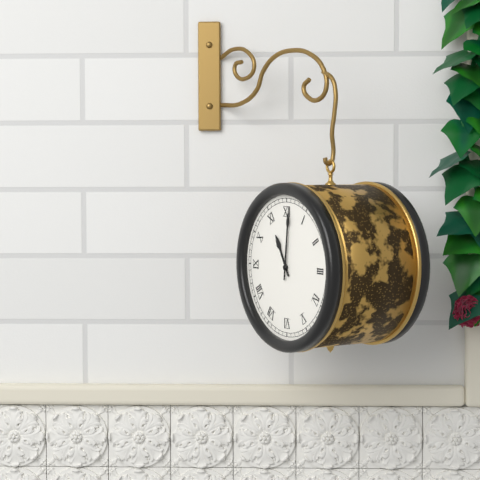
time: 11:01
